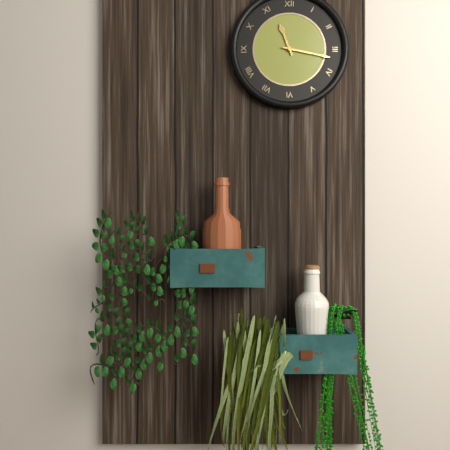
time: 11:17
